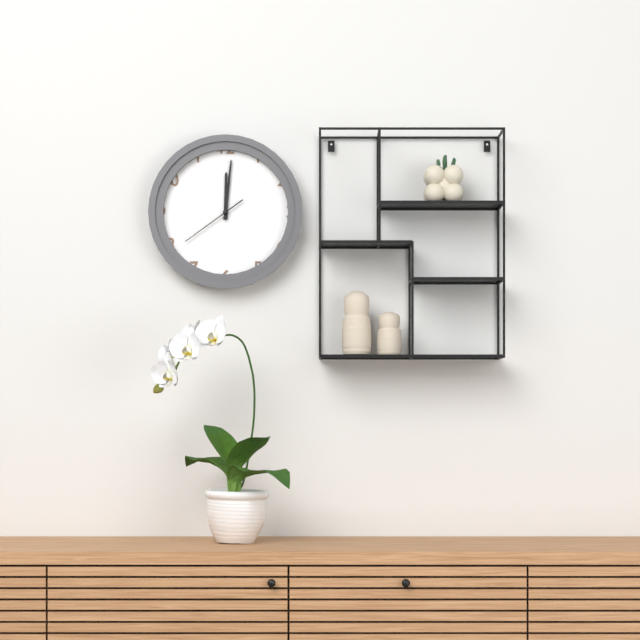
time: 12:01:39
